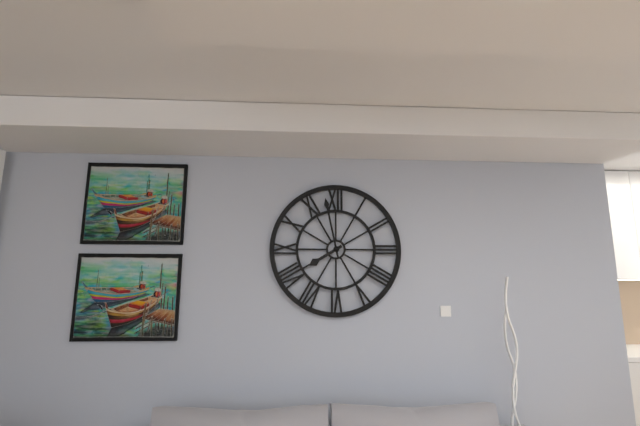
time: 7:58
